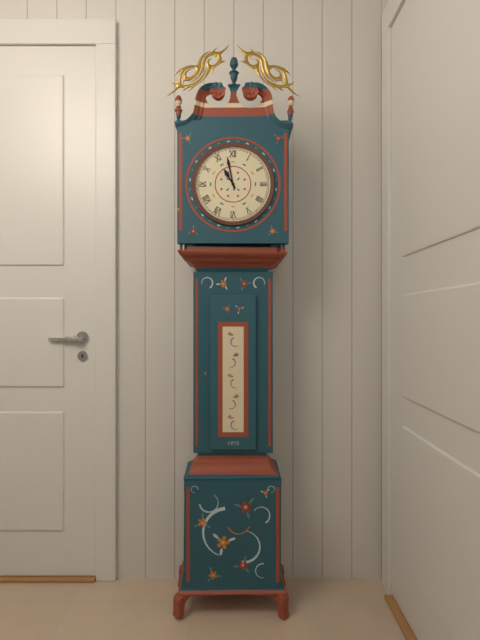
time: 10:58
